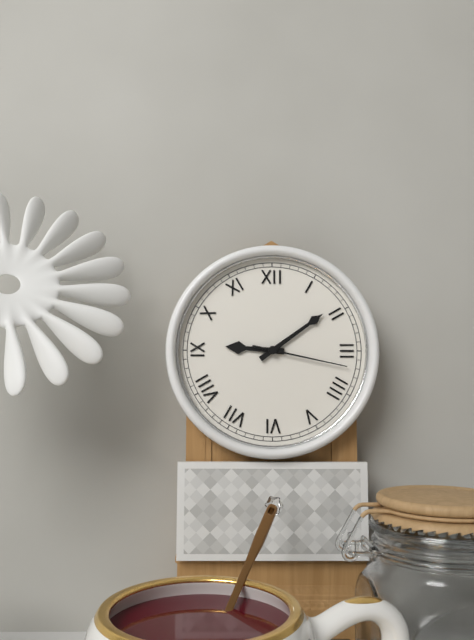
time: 9:09:17
